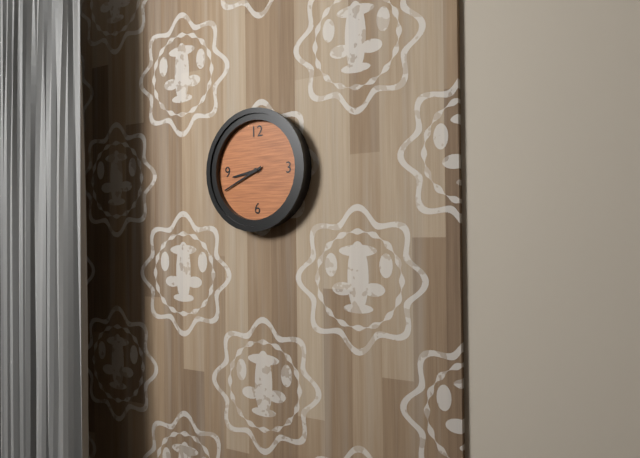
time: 8:41
